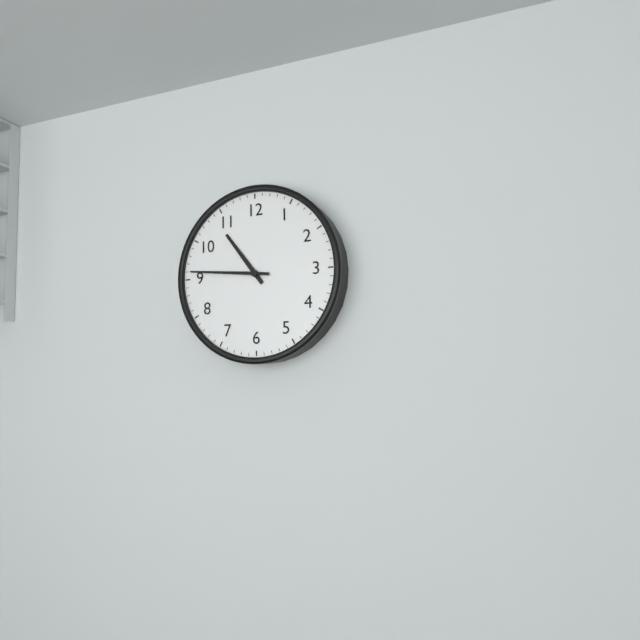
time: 10:46
